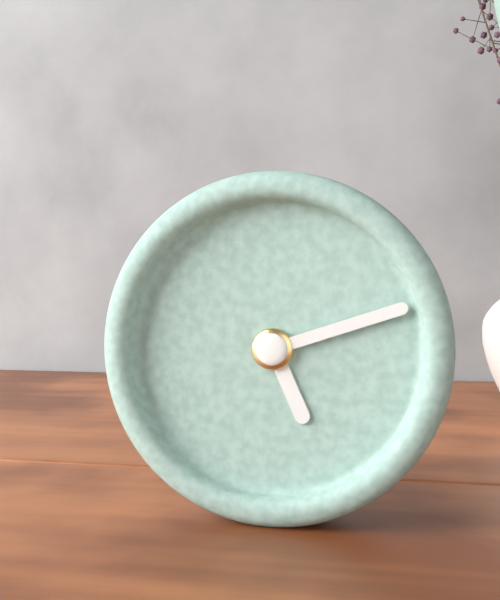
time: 5:12
